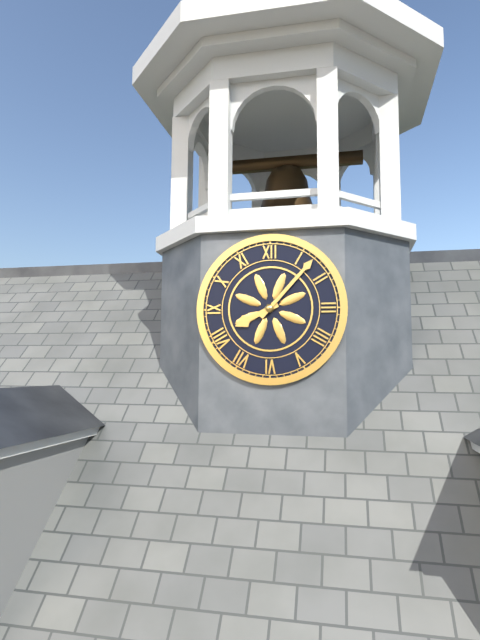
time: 8:07
